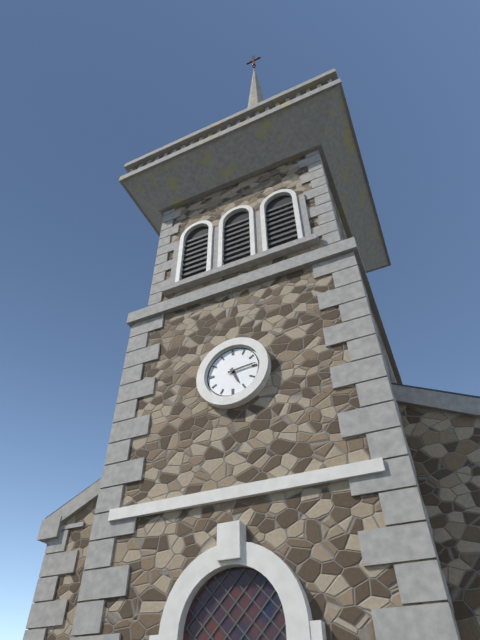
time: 5:14
